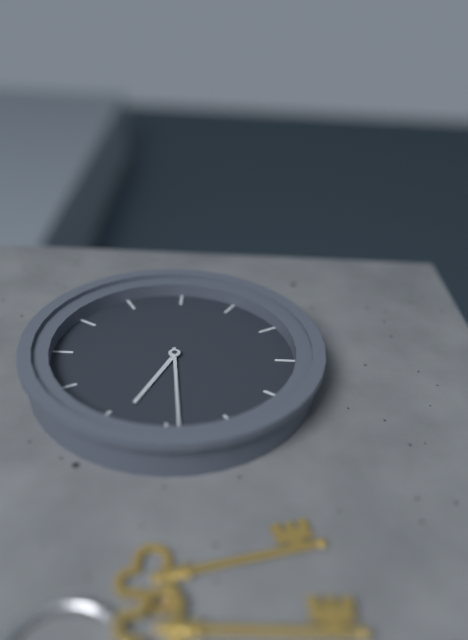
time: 9:44
